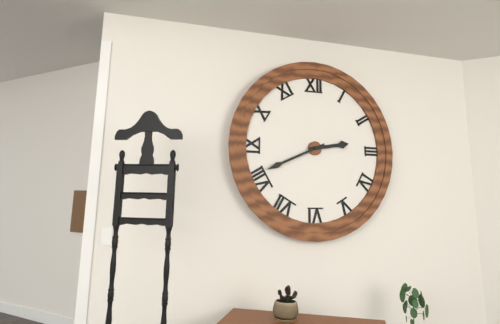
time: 2:41
